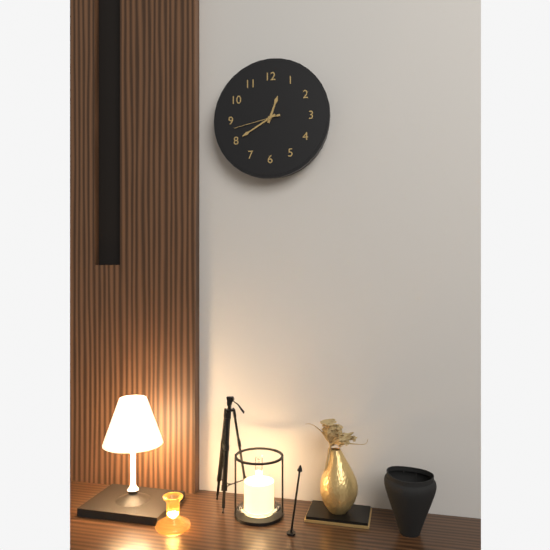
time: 12:40
